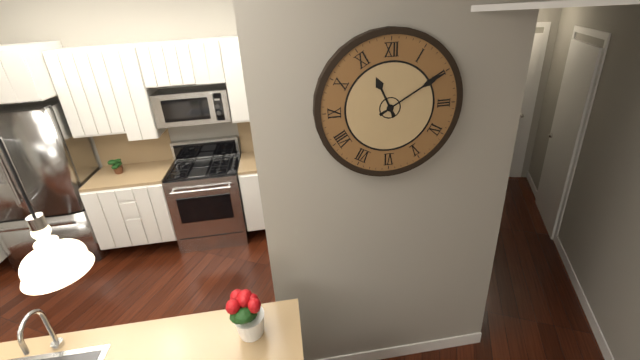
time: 11:10
